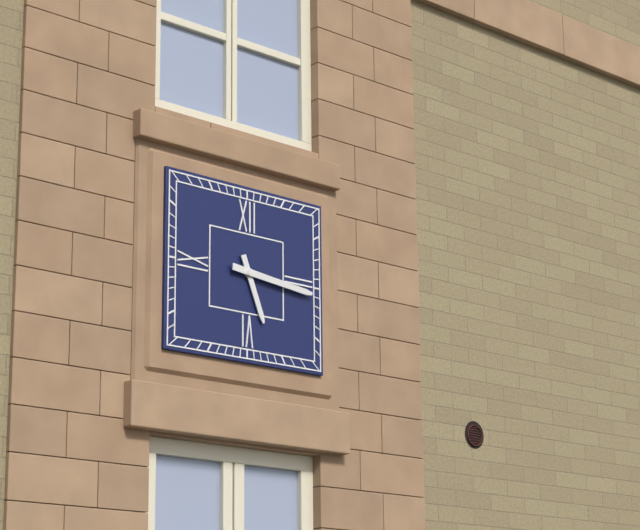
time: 5:16
